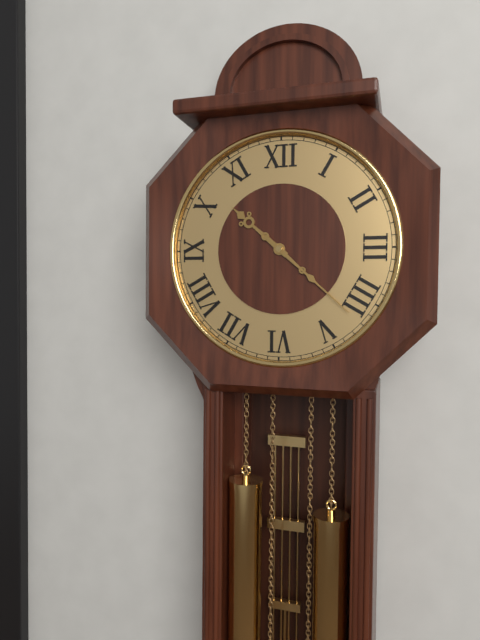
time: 10:22
